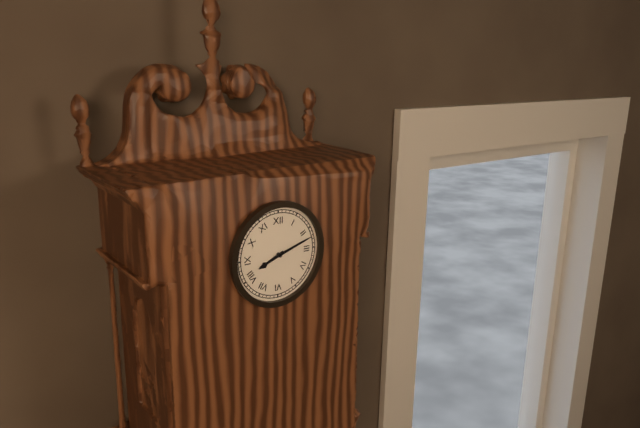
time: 8:12
